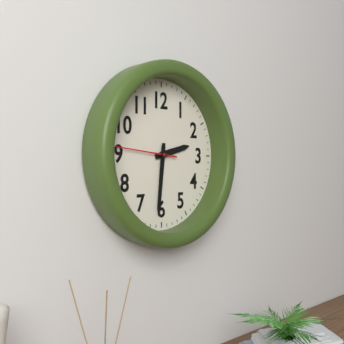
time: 2:31:46
